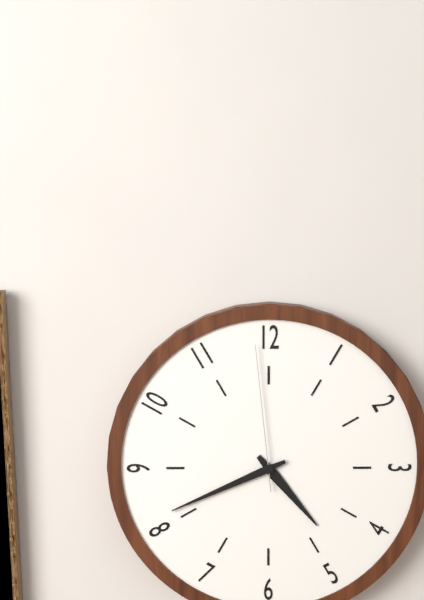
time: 4:41:59
